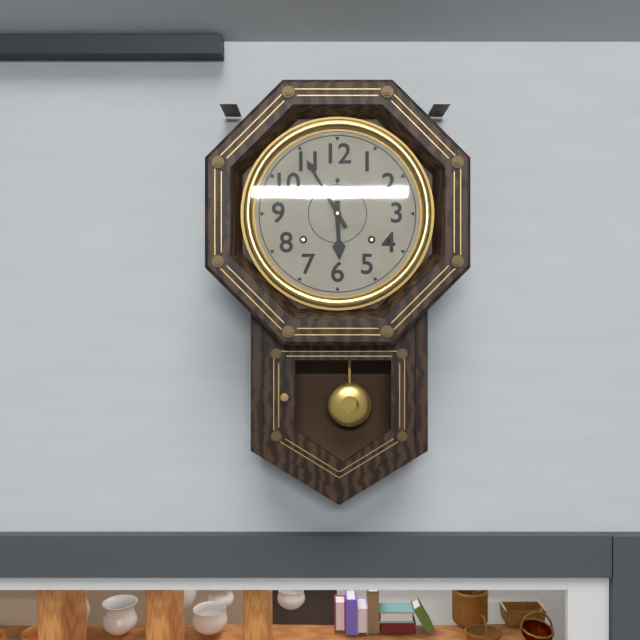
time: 5:55
